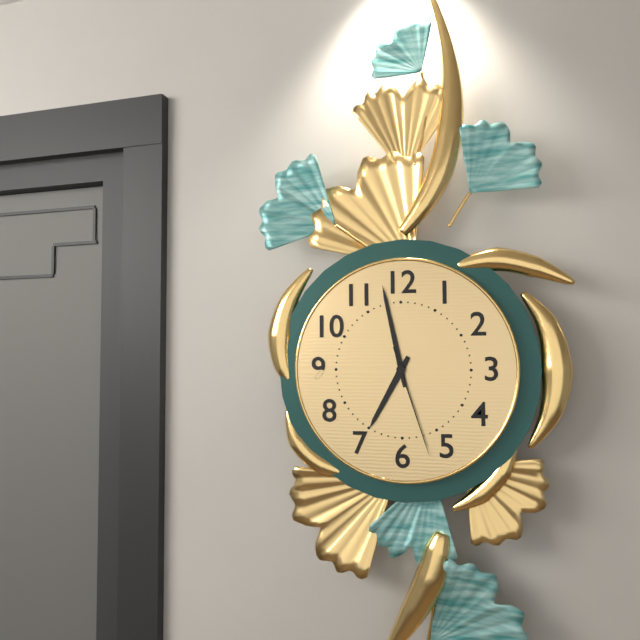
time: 6:58:27
